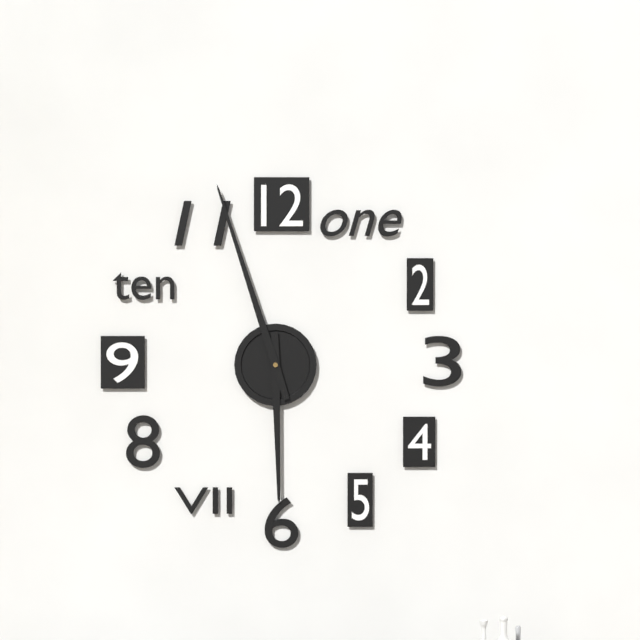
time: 5:57
